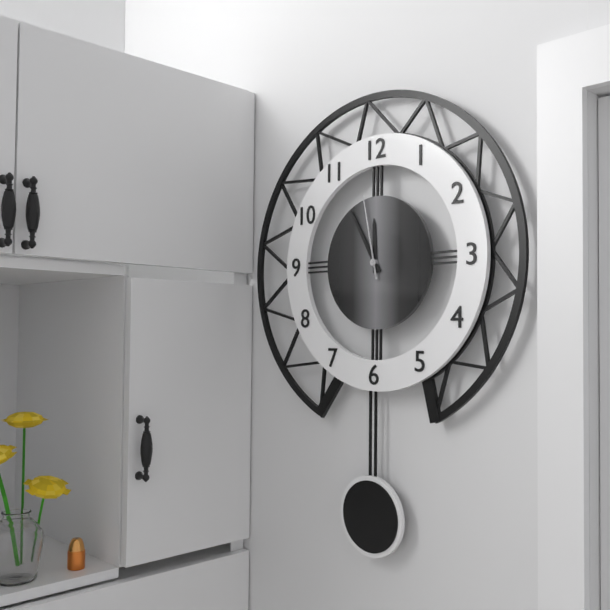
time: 11:55:58
